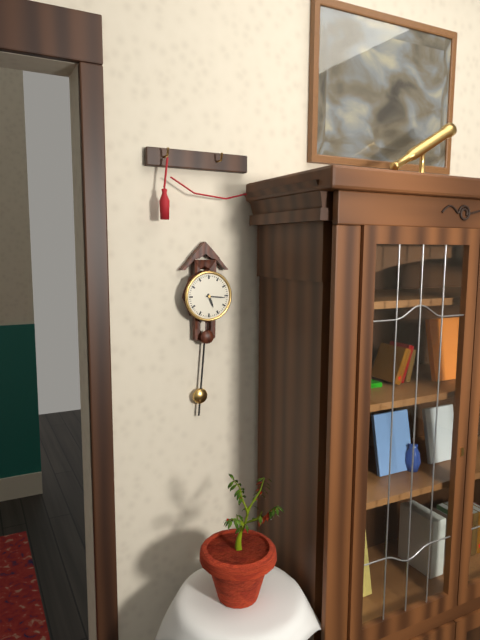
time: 5:16
